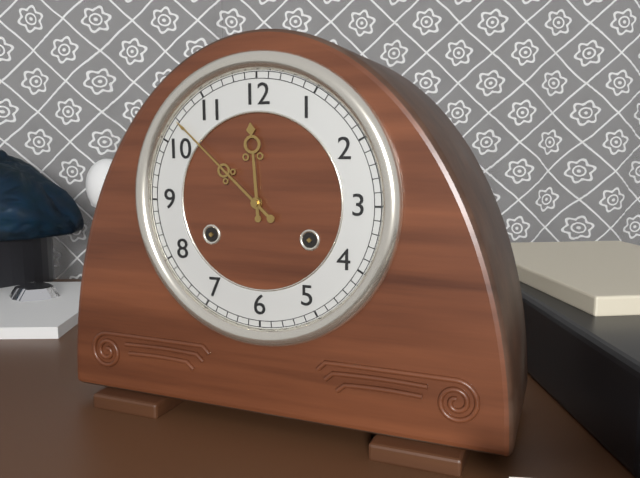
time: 11:52
